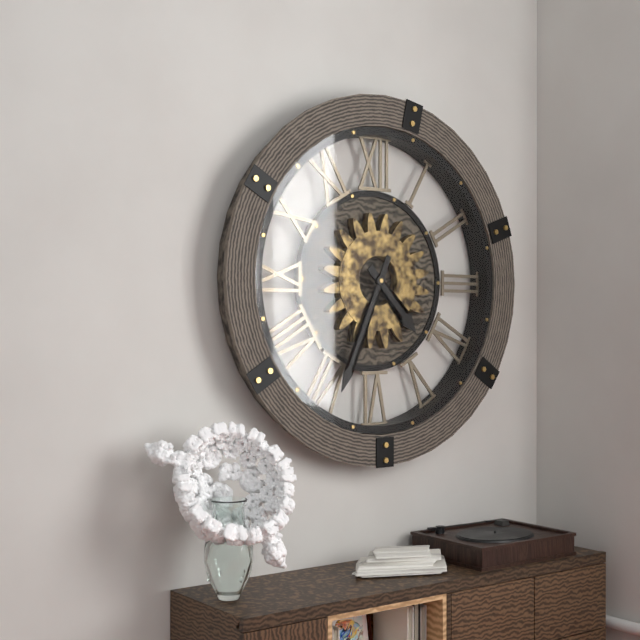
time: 4:34
